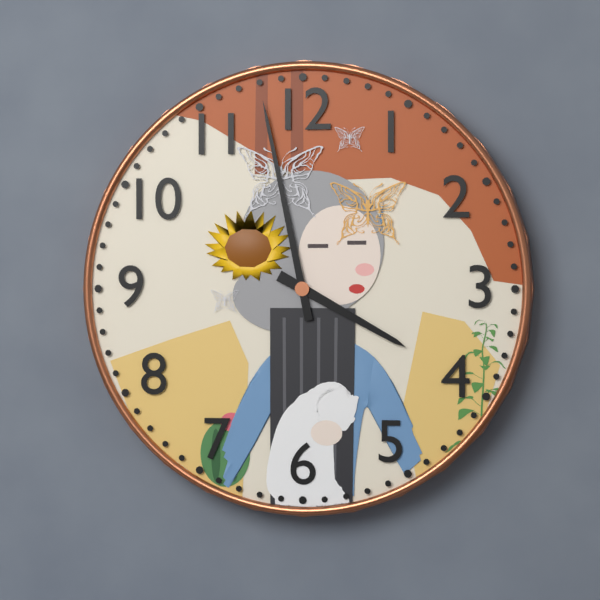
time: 3:58
